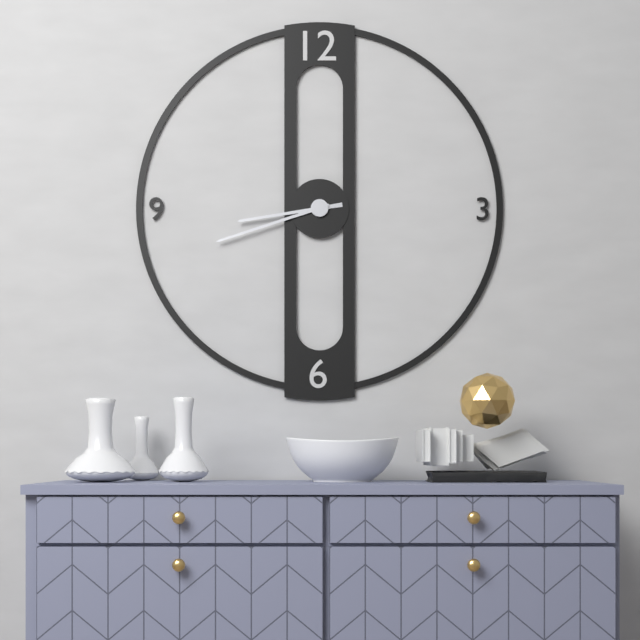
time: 8:42
